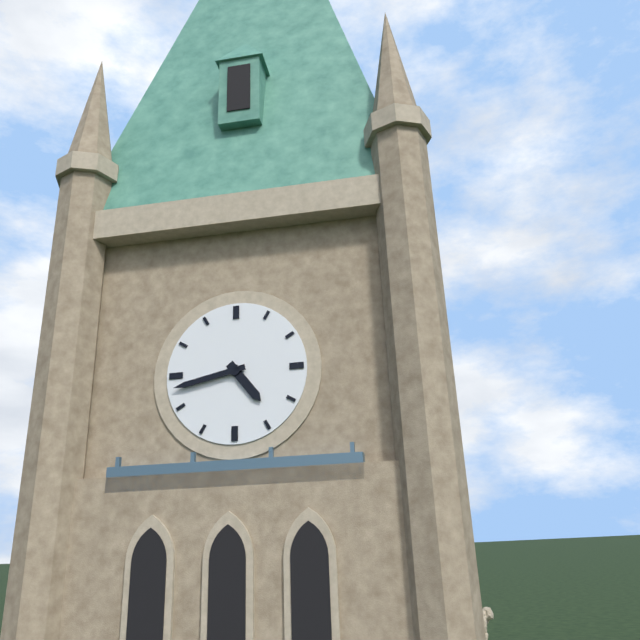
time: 4:43
